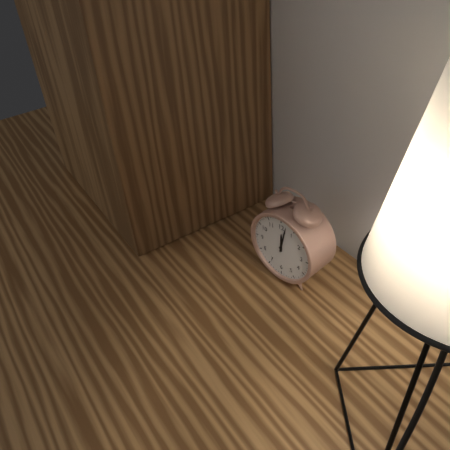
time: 12:02
